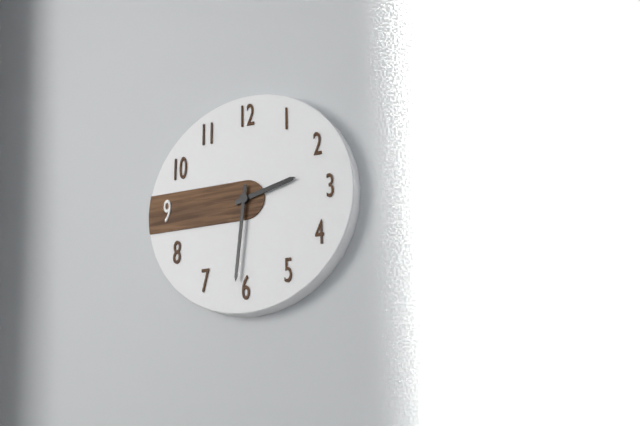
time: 2:31
